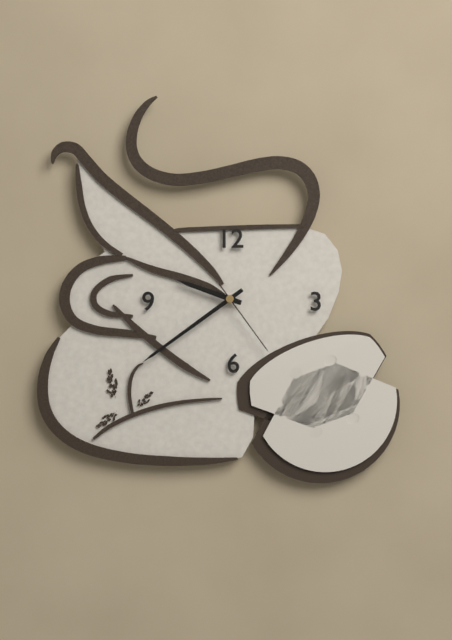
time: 9:39:24
